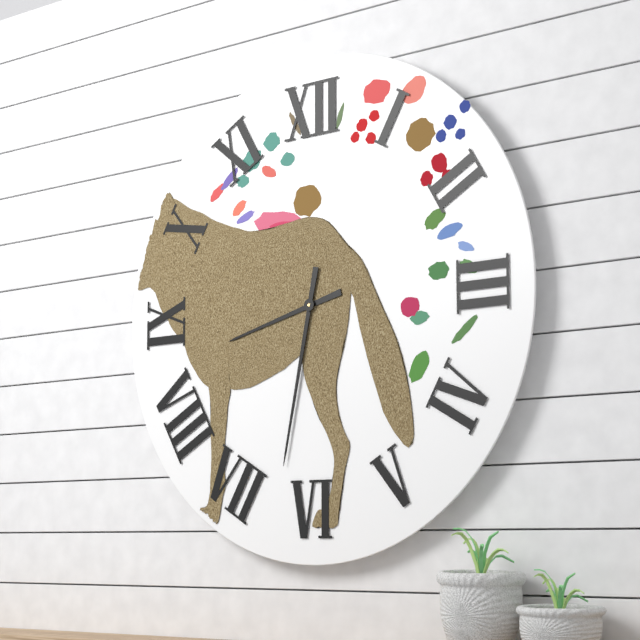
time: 8:32
